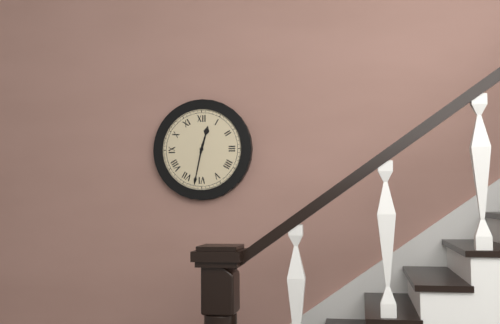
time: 12:32
